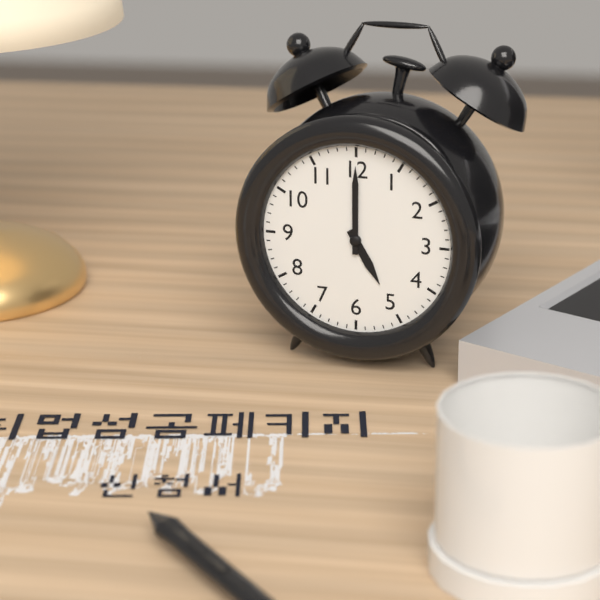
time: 5:00
